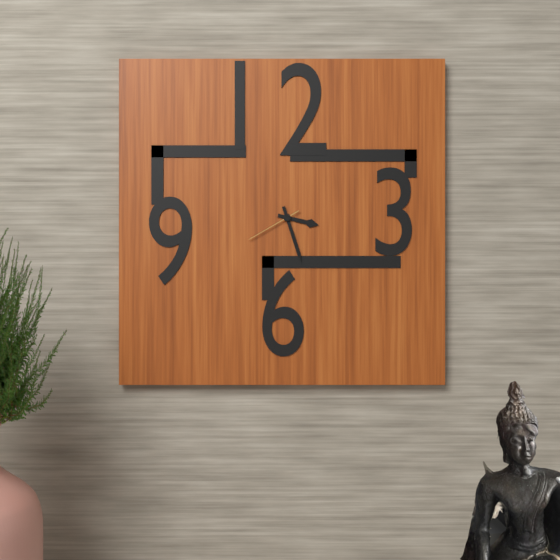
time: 3:27:40
